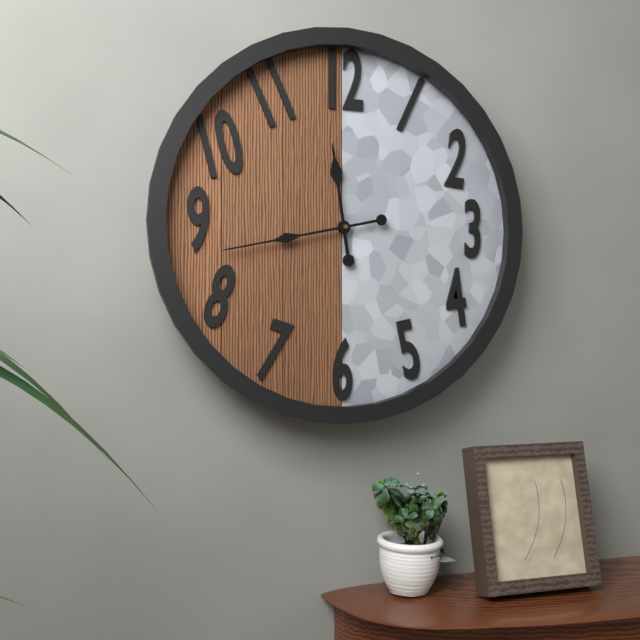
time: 11:43
